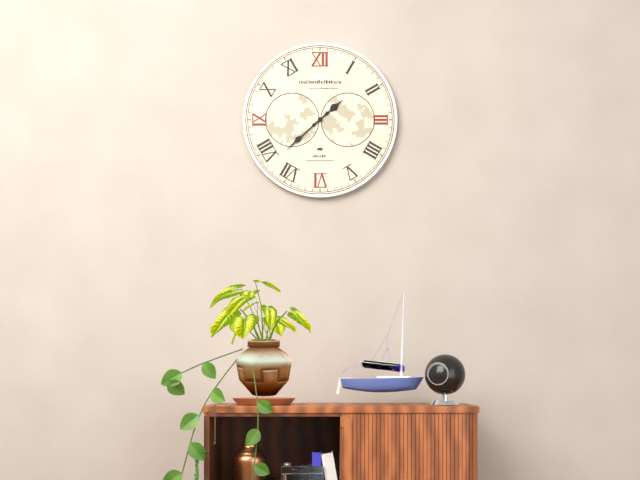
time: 1:38
